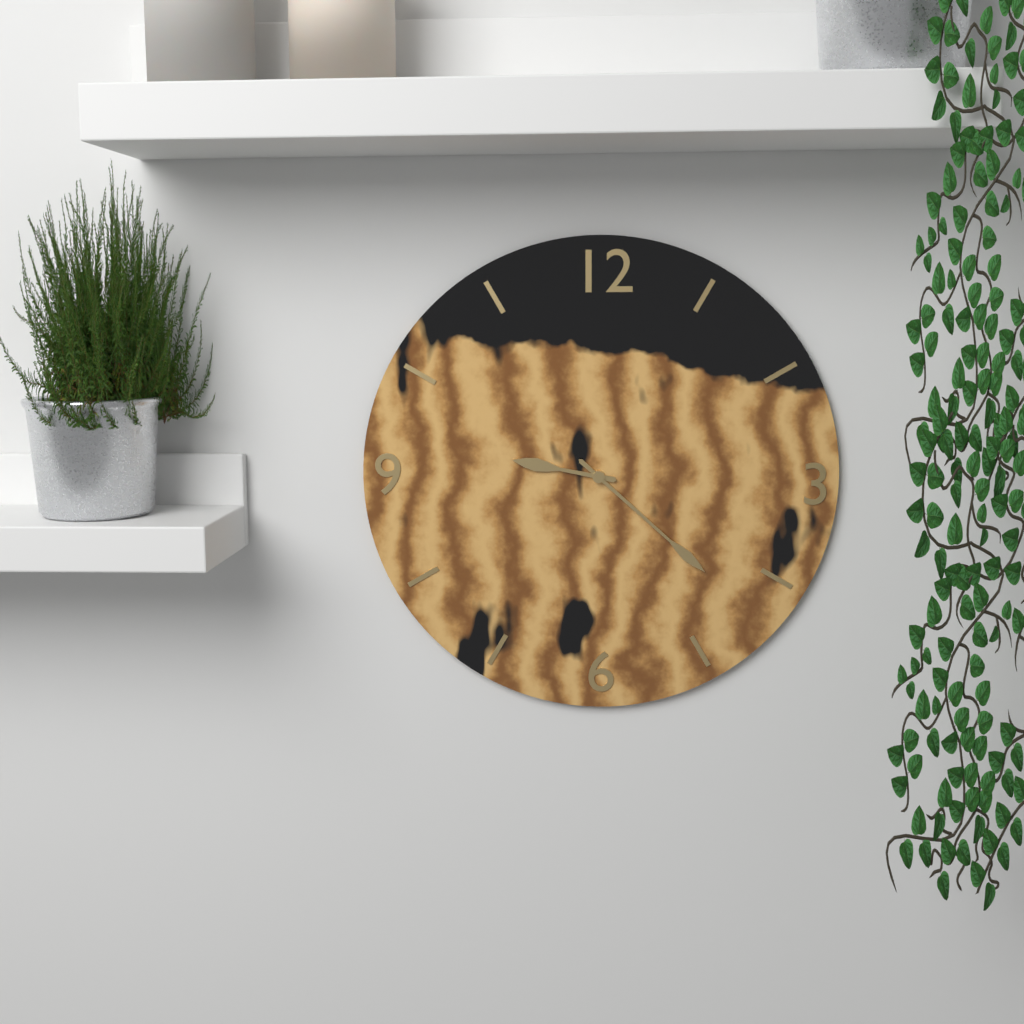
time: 9:22
